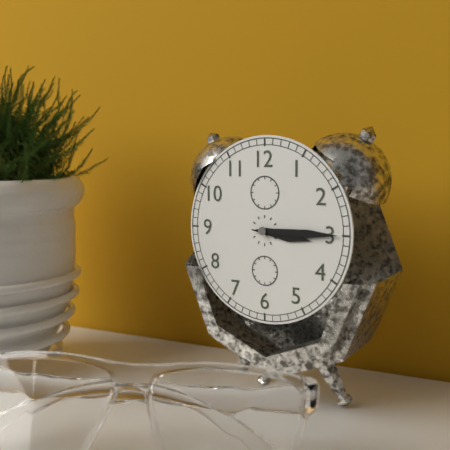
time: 3:15
